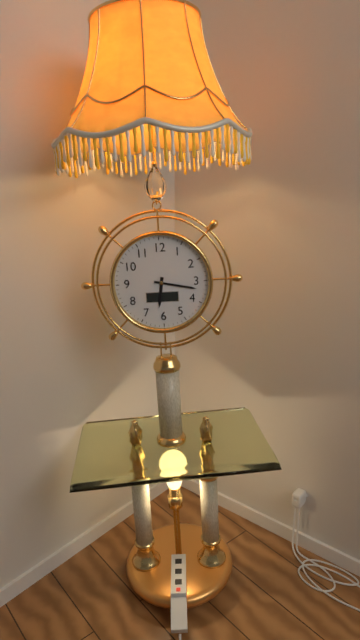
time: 6:17
